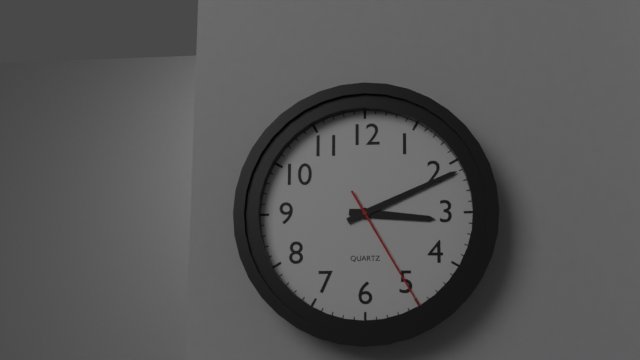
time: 3:11:25
